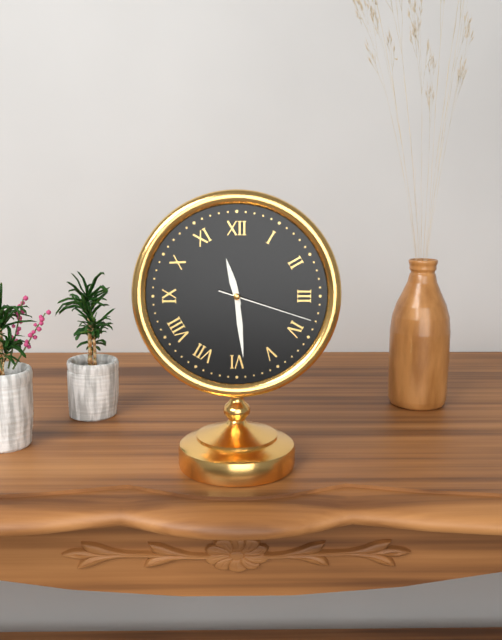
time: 11:29:18
